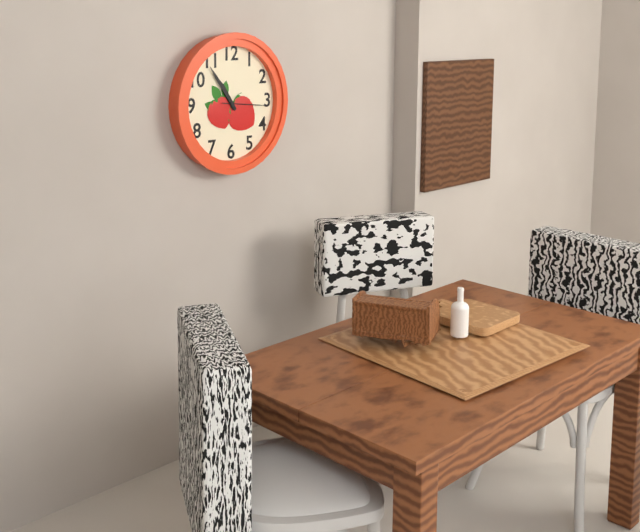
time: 10:54
